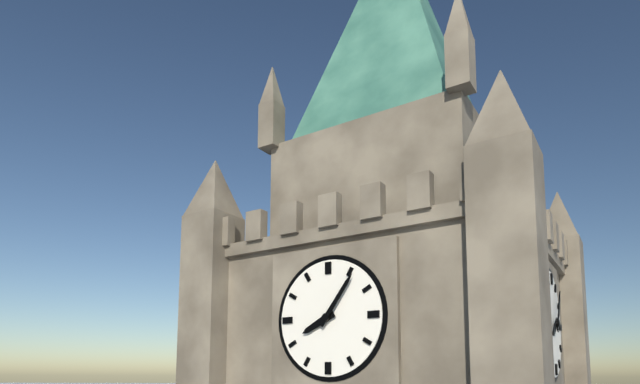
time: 8:06
